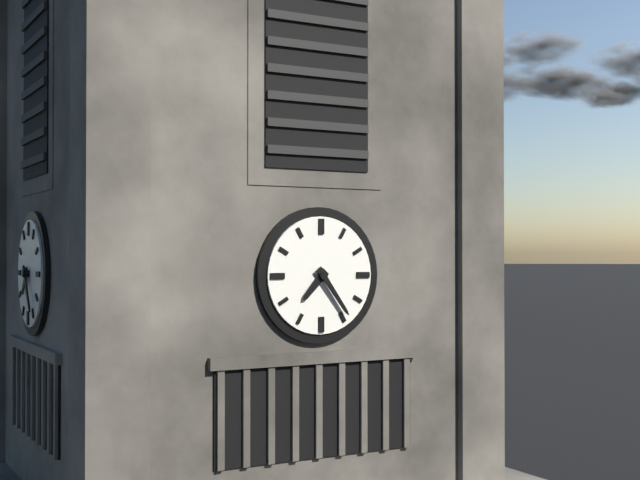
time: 7:24
